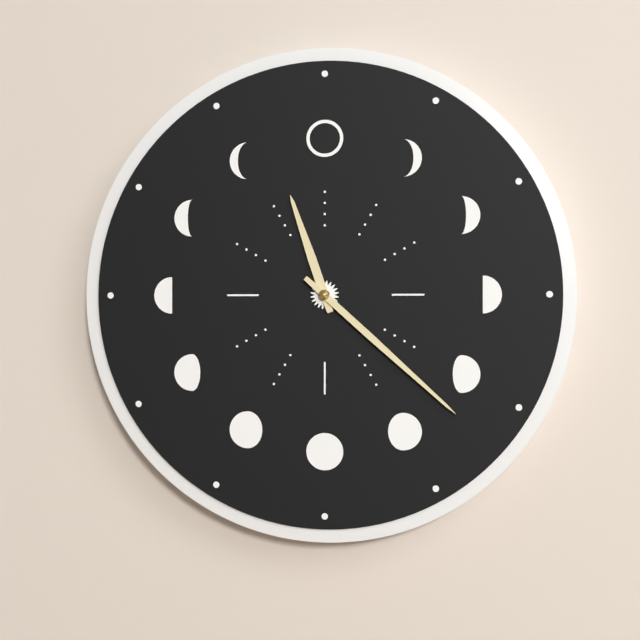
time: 11:22
